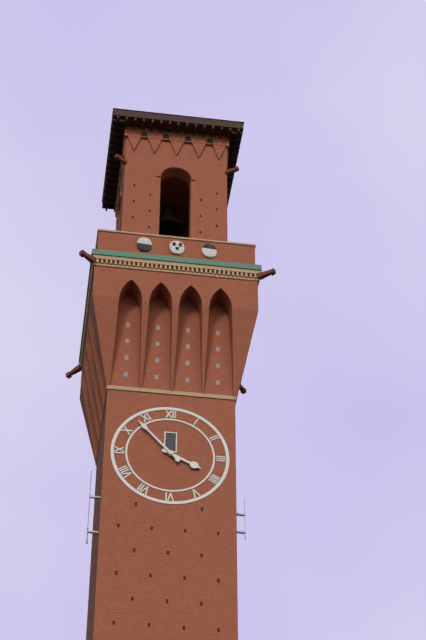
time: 3:53
